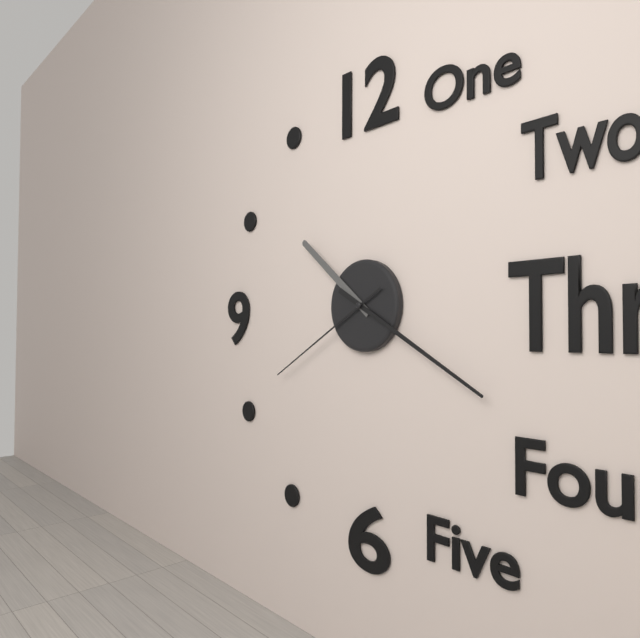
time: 10:20:40
